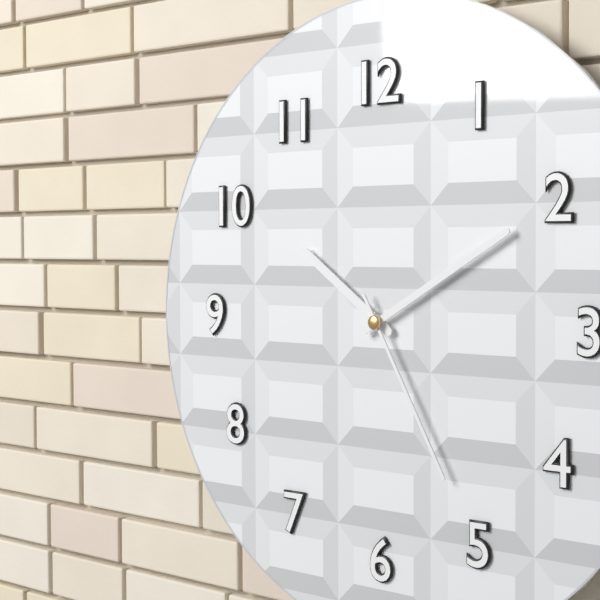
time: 10:10:25
